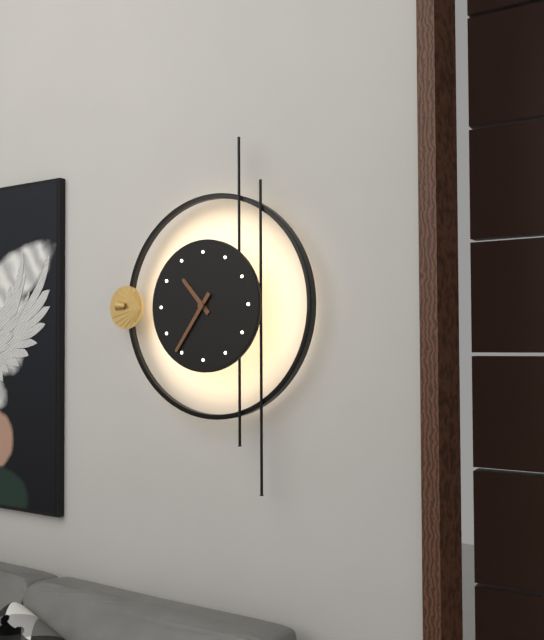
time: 10:36
